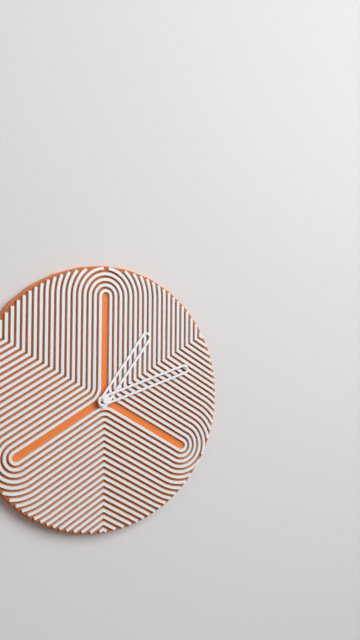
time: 1:12
